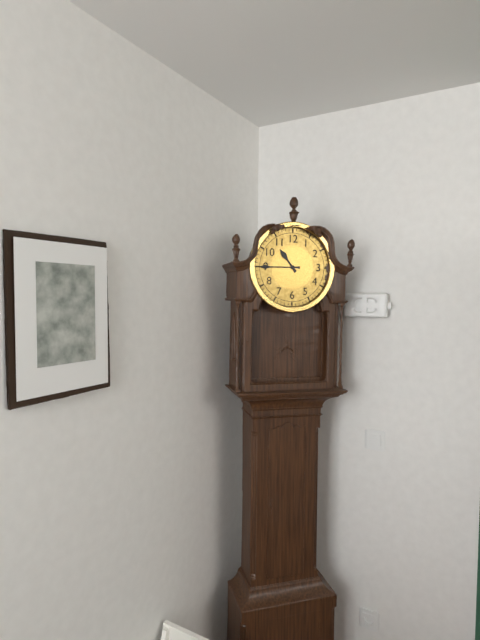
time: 10:45
